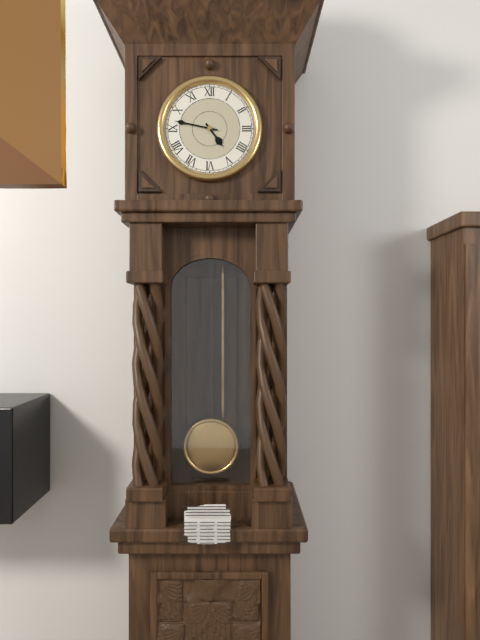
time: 4:47
